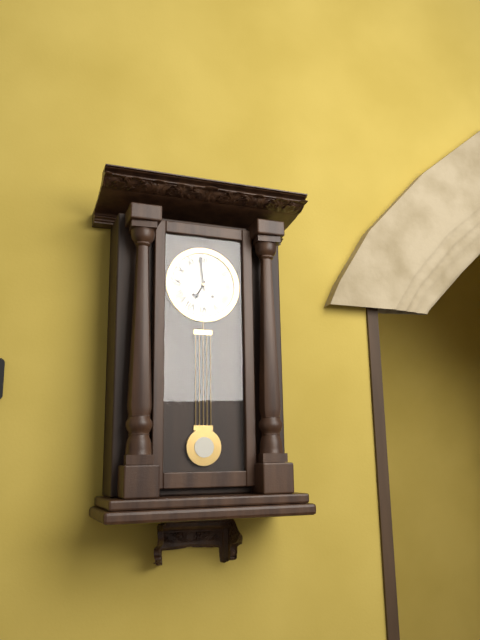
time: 6:59
